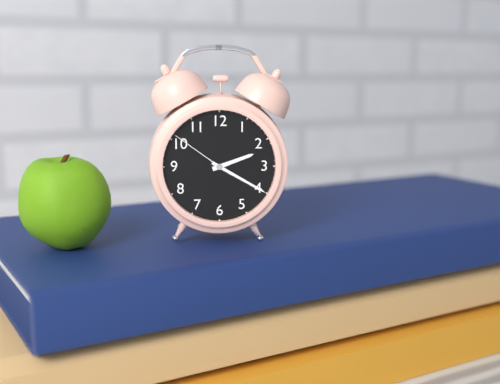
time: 2:20:51
